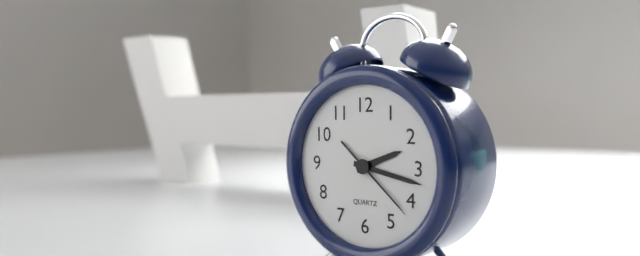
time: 2:17:22
